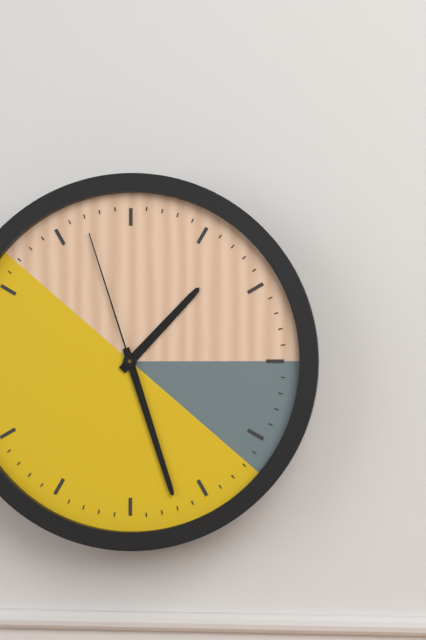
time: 1:27:57
